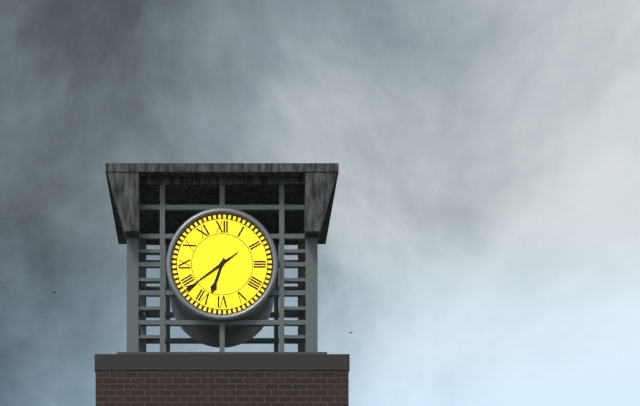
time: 6:39
